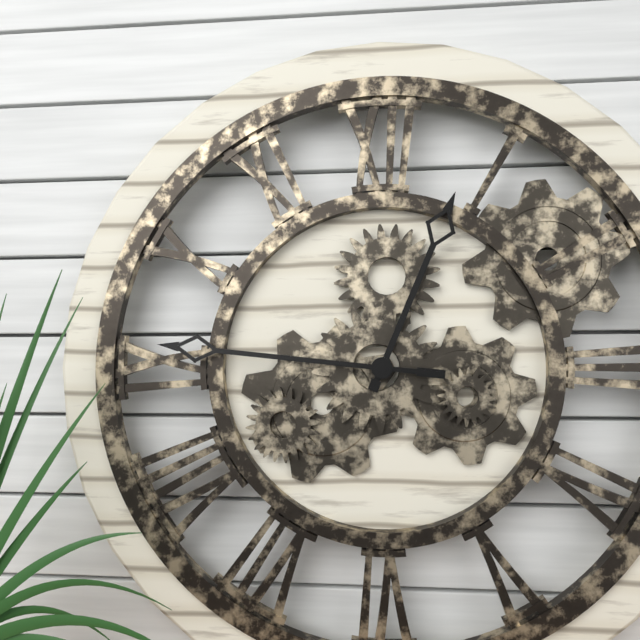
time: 12:46
